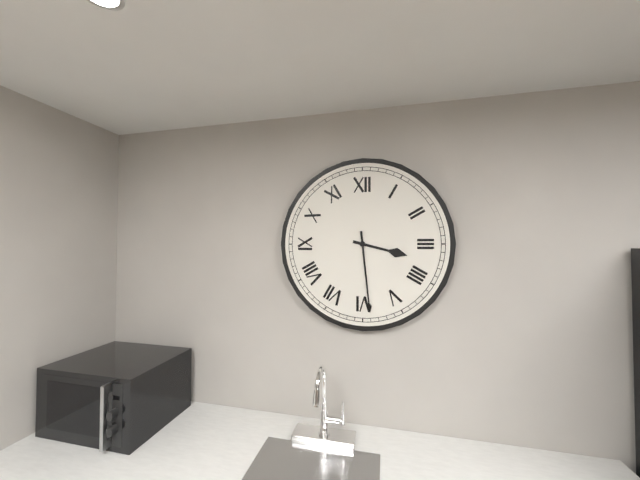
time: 3:29
